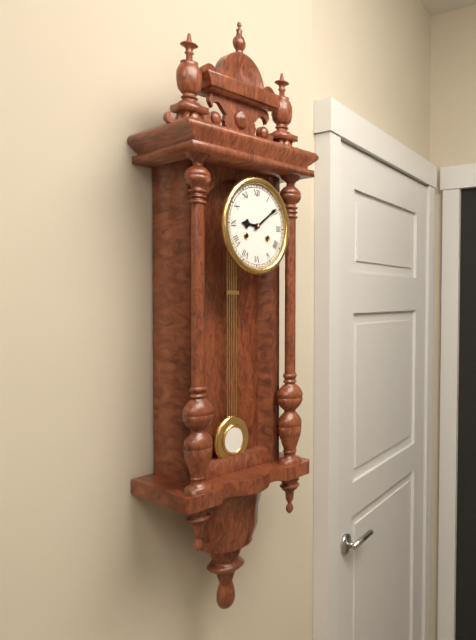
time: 9:09
